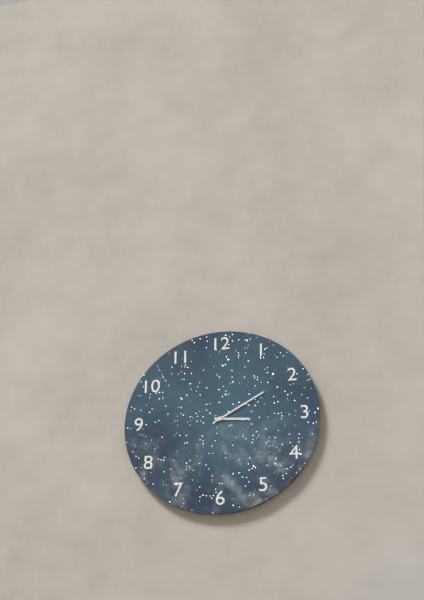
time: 3:10
